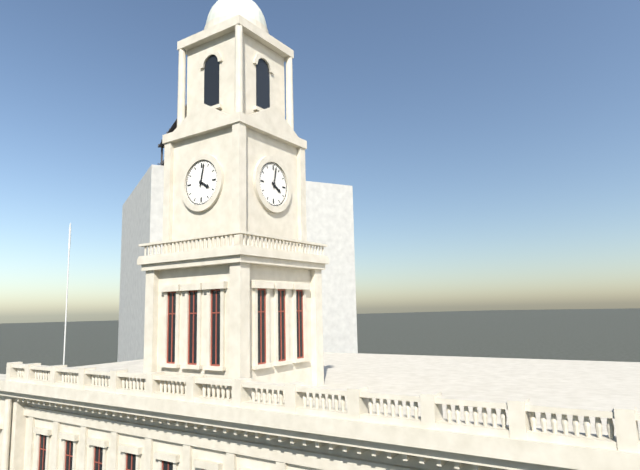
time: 4:02
